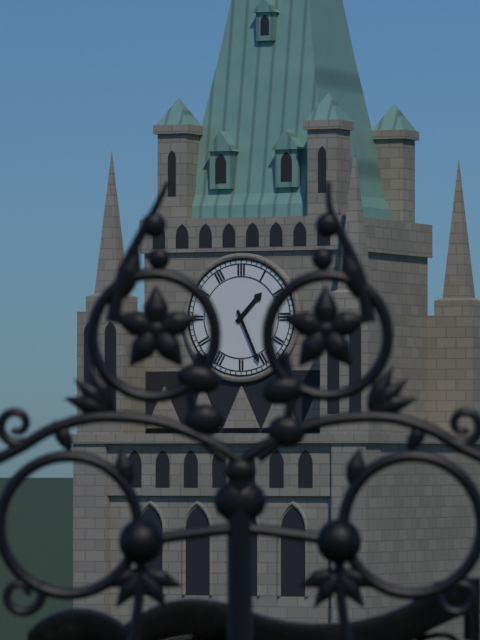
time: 1:26
